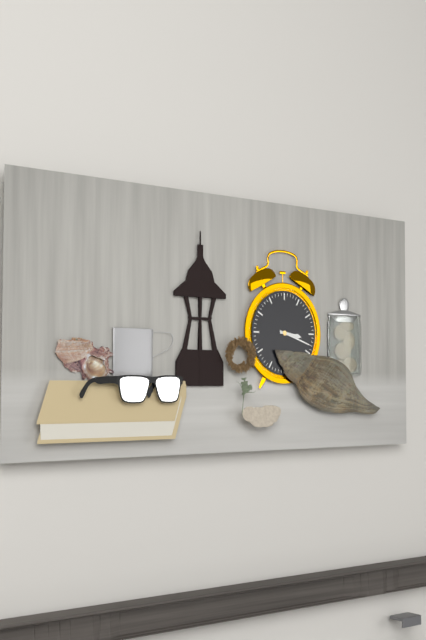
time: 3:18
